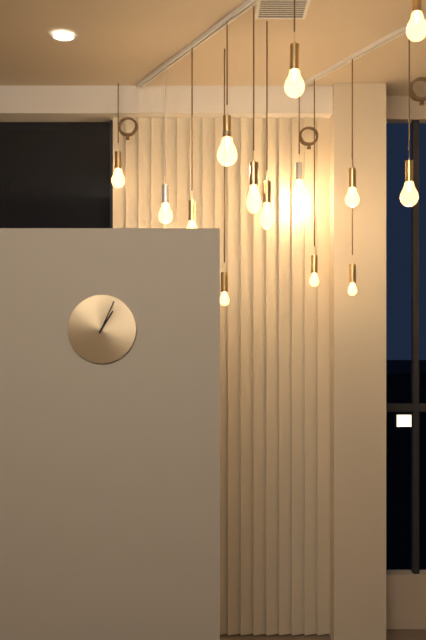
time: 1:04
